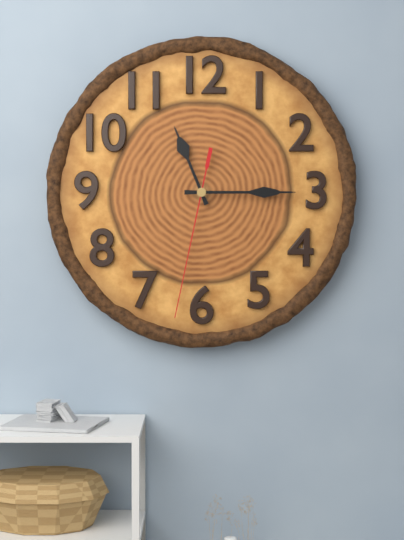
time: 11:15:32
